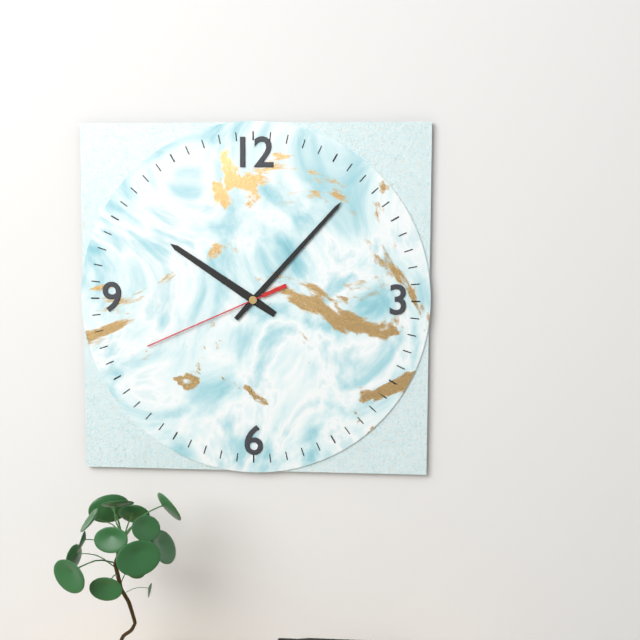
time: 10:07:41
